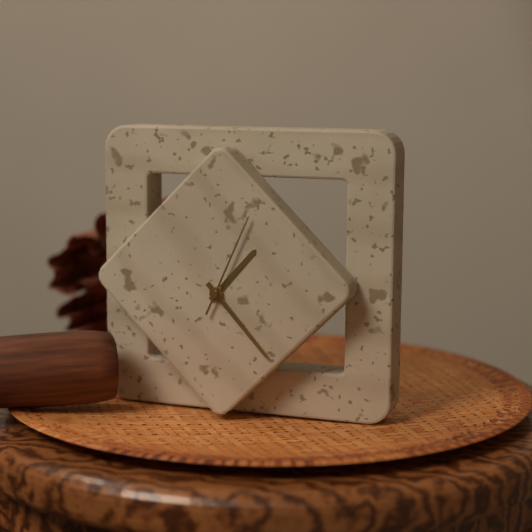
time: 1:23:04
